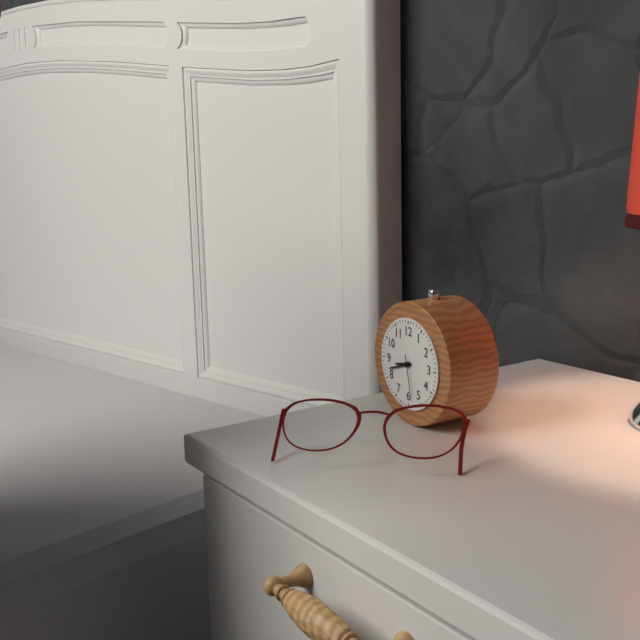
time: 8:42
